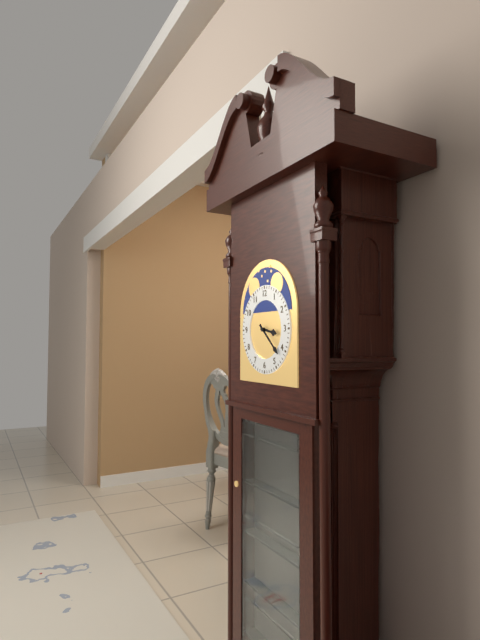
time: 3:22
